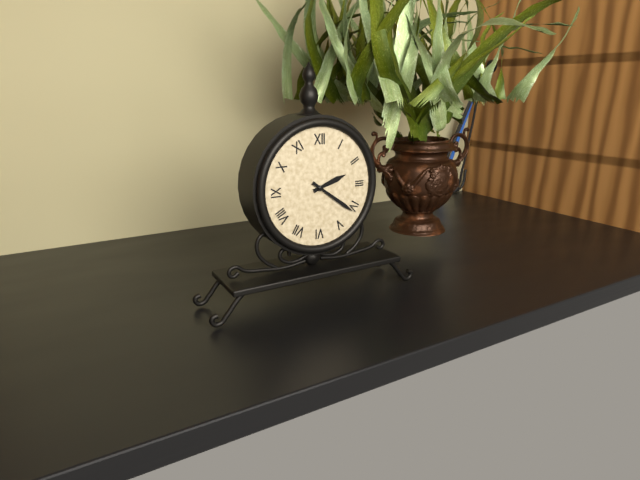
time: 2:21
